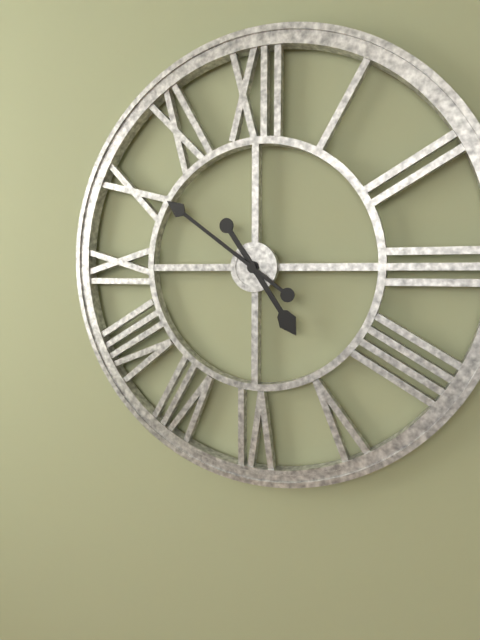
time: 4:51
